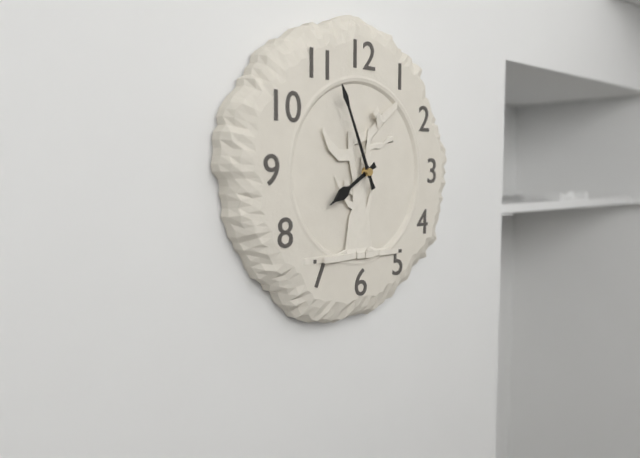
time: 7:56
